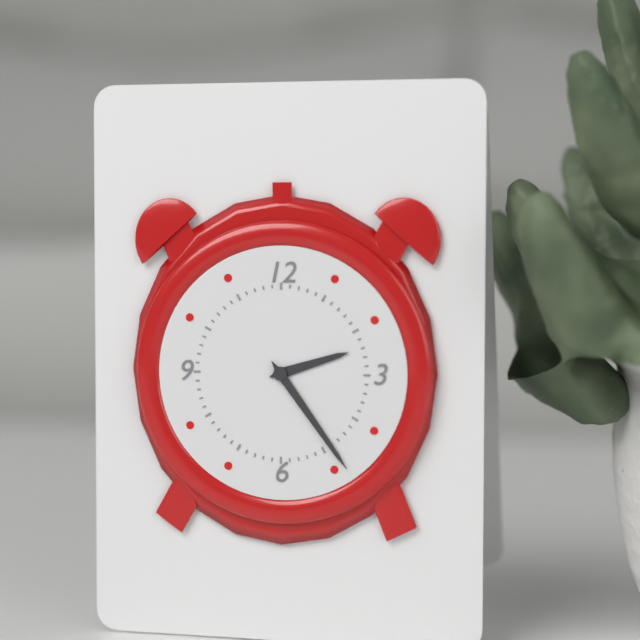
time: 2:24
